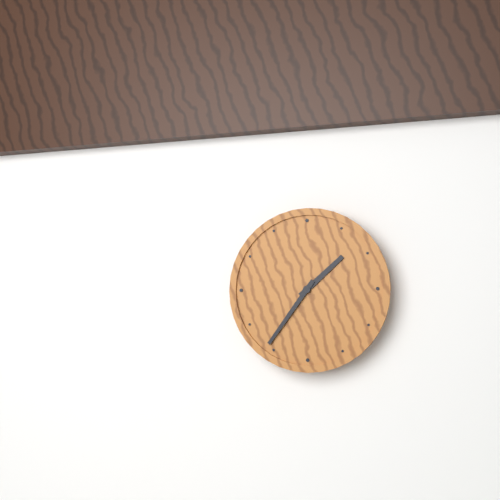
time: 1:36
